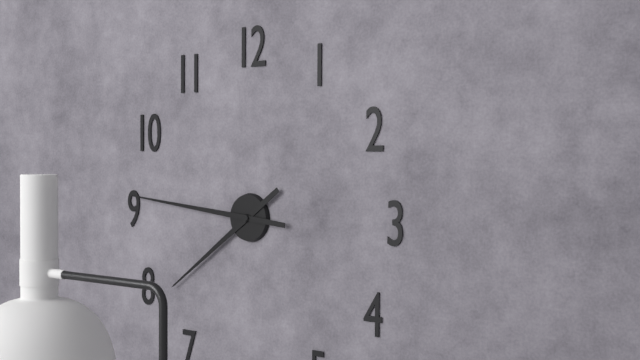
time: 7:46
